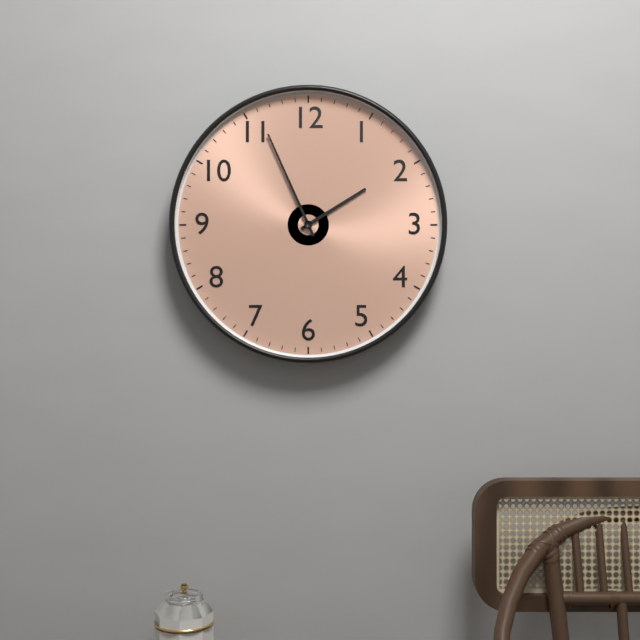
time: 1:56
